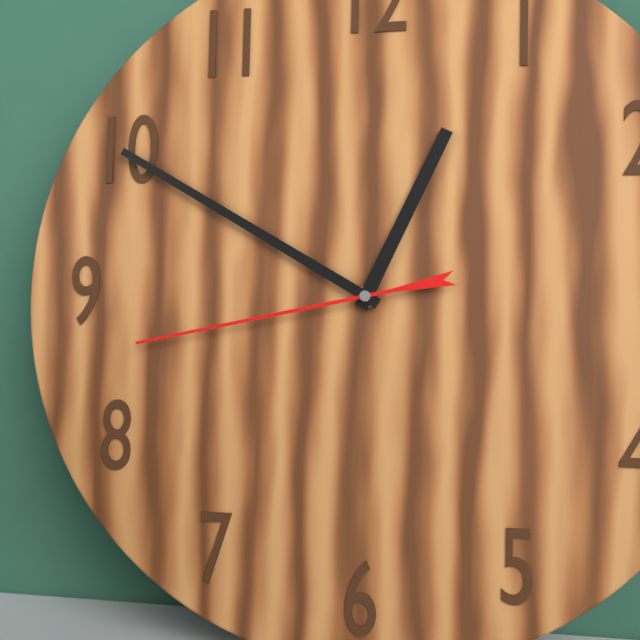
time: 12:50:43
